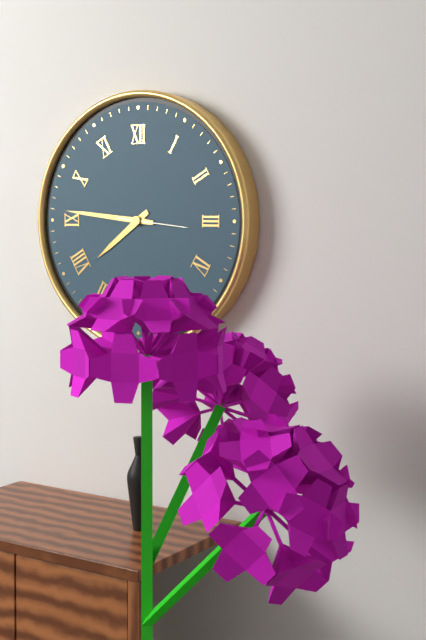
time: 7:46:16
